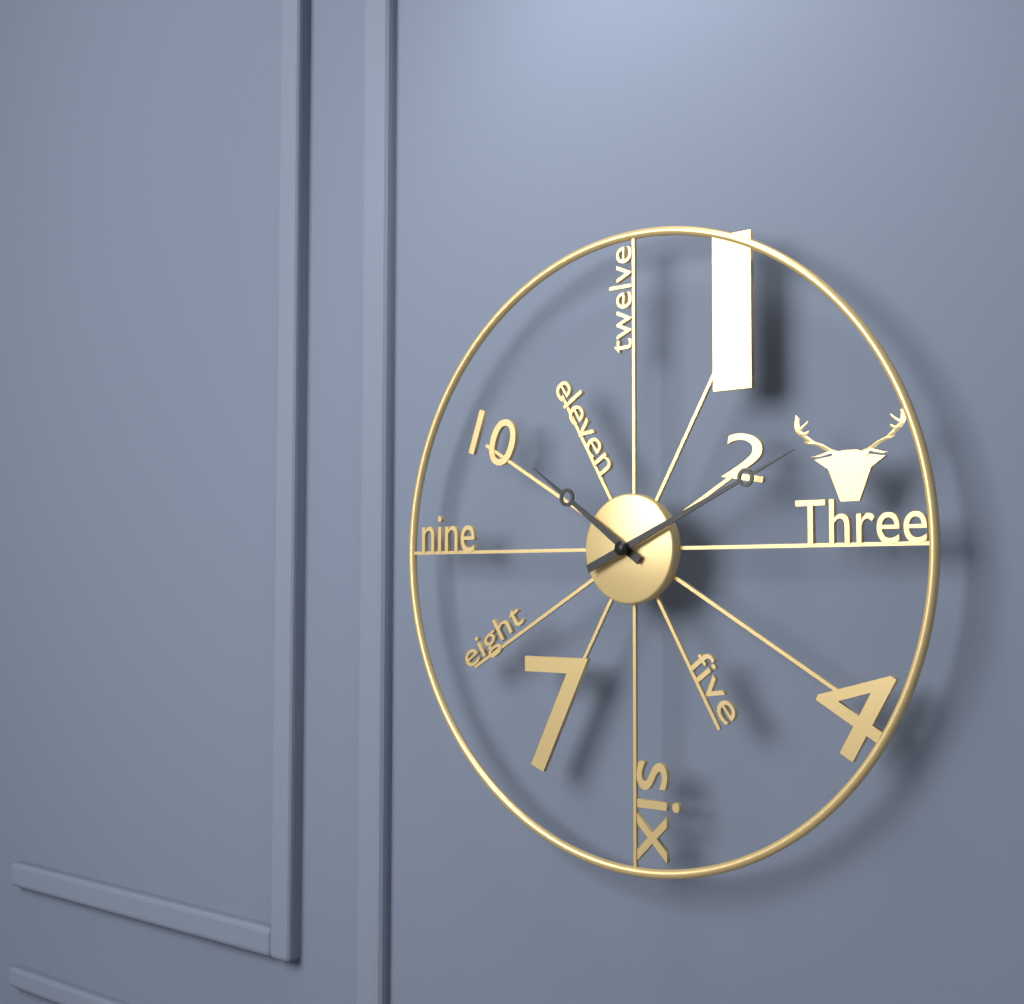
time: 10:11
